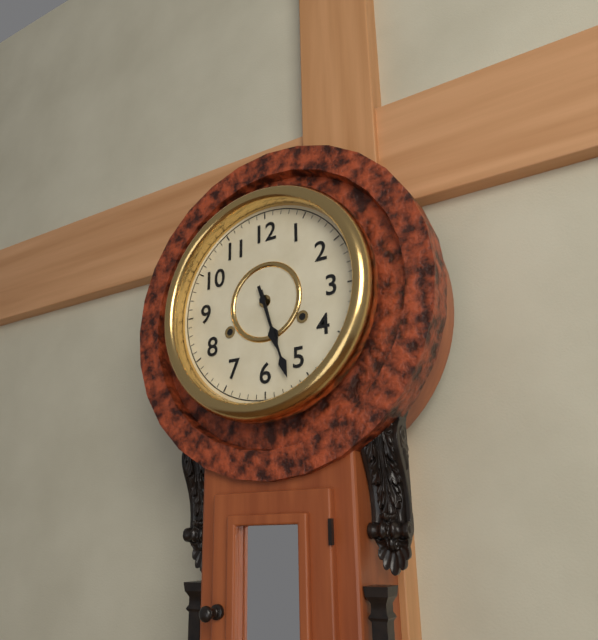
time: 5:27
